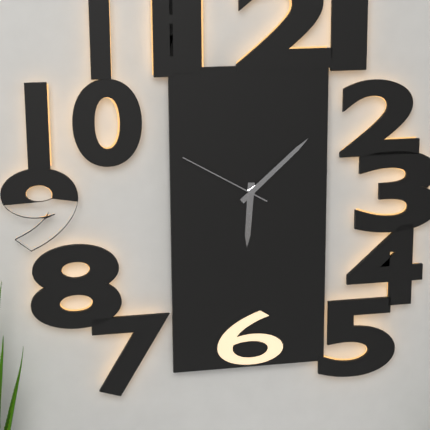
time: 6:08:50
